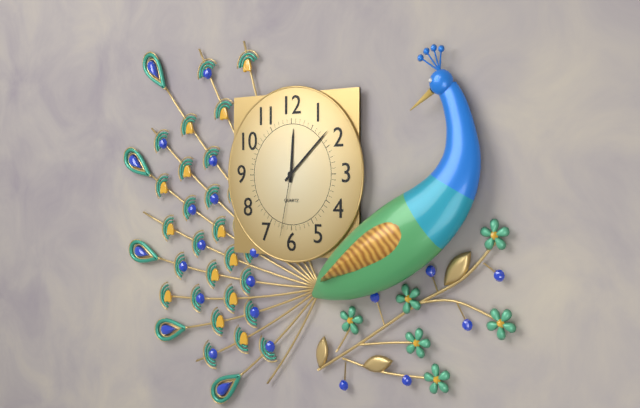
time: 12:08:32
